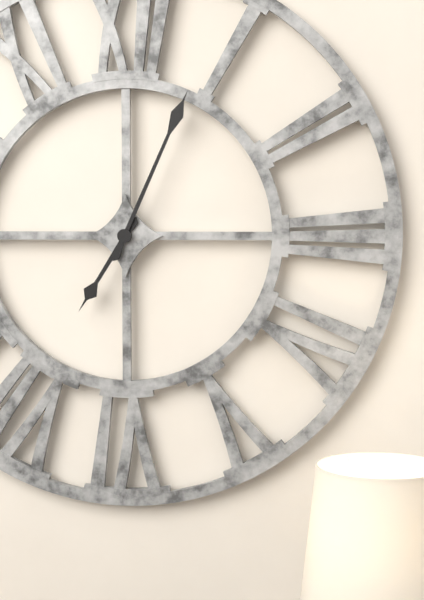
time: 7:04
